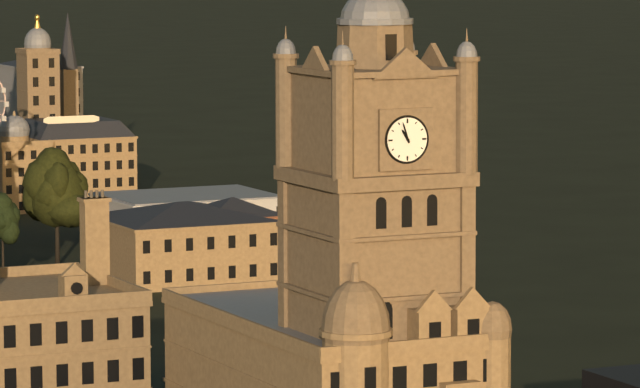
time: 10:57
